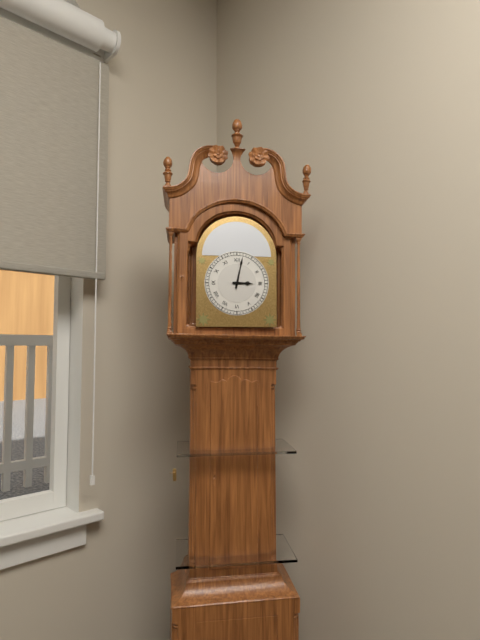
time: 3:02
